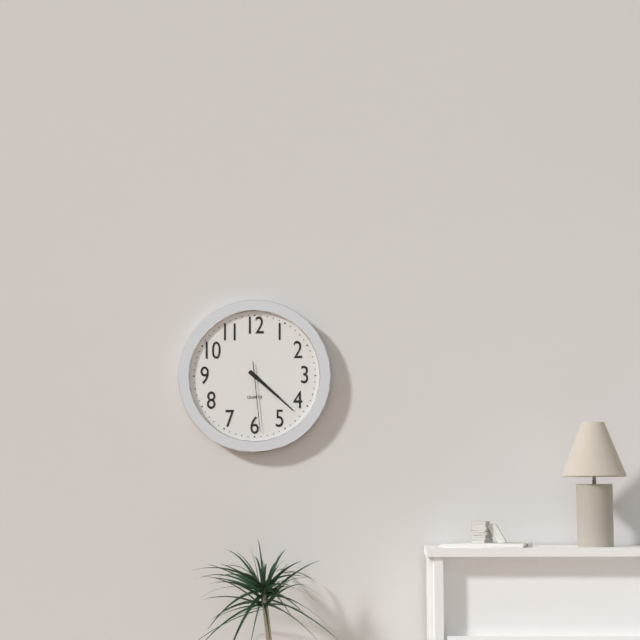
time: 4:22:29
